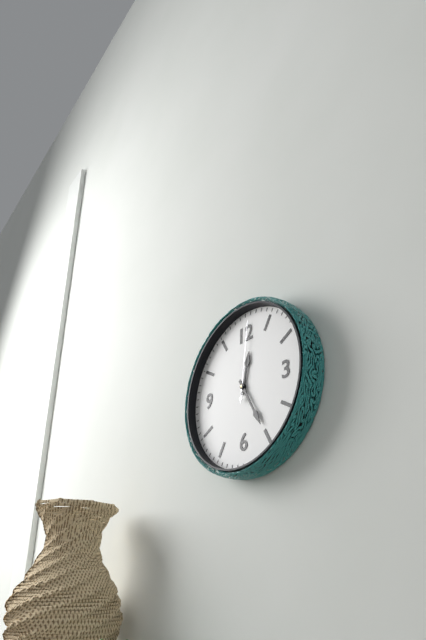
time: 12:25:01
